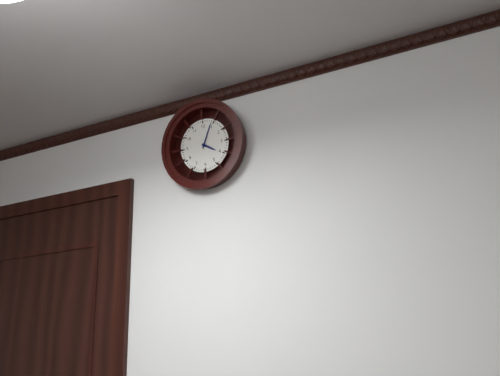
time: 4:04
